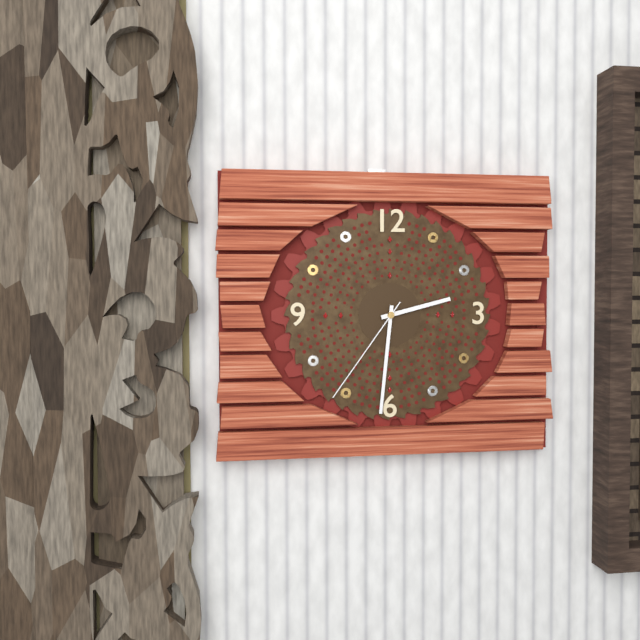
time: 2:31:36
